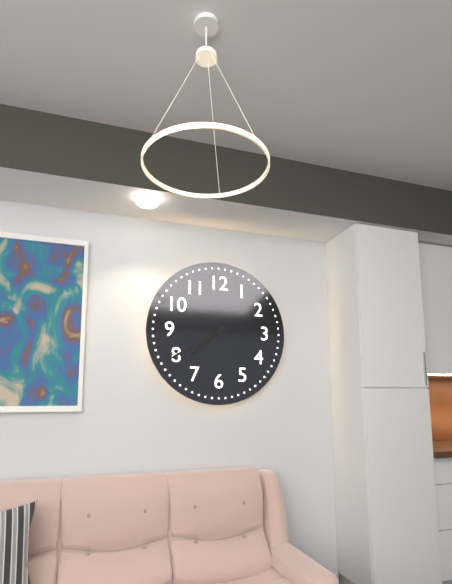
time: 7:40
